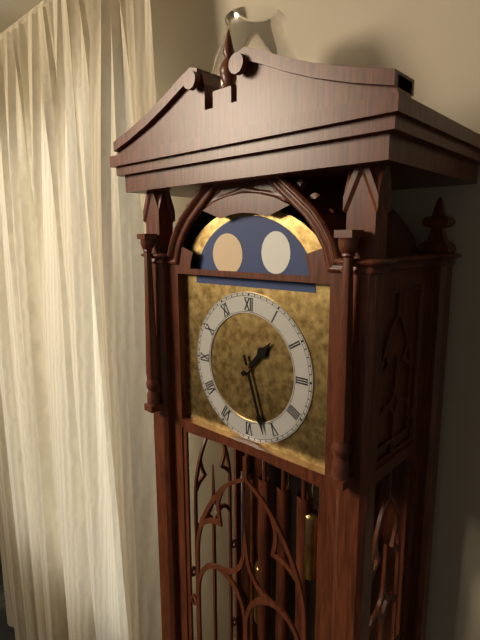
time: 1:27
